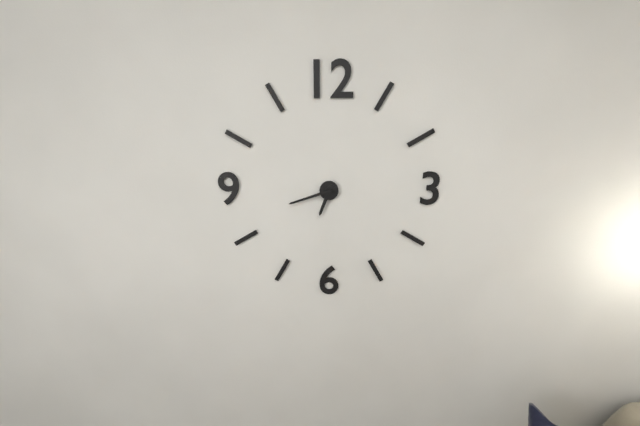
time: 6:42
